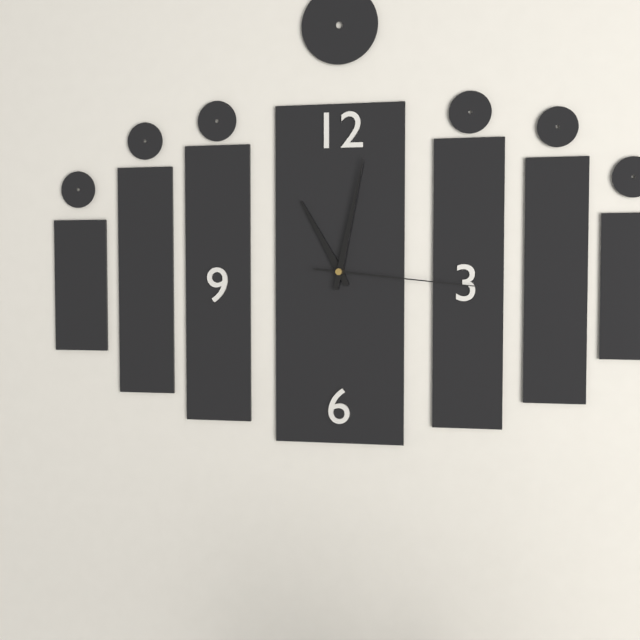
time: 11:02:16
